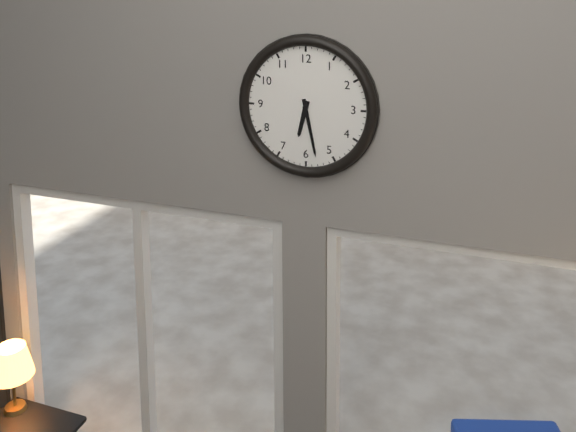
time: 6:28
